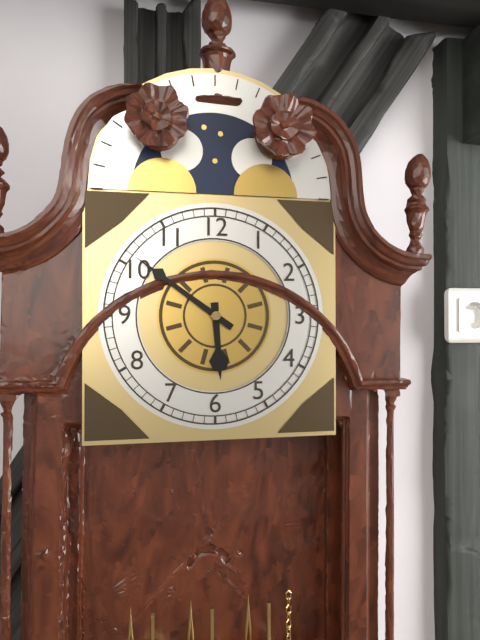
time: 5:51
